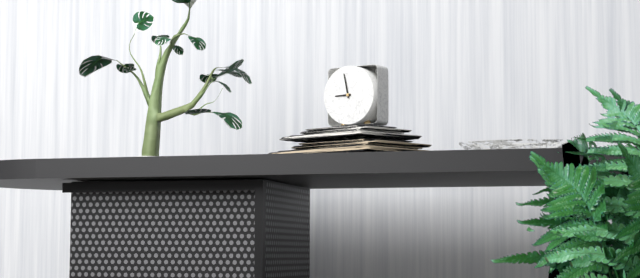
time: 8:58
